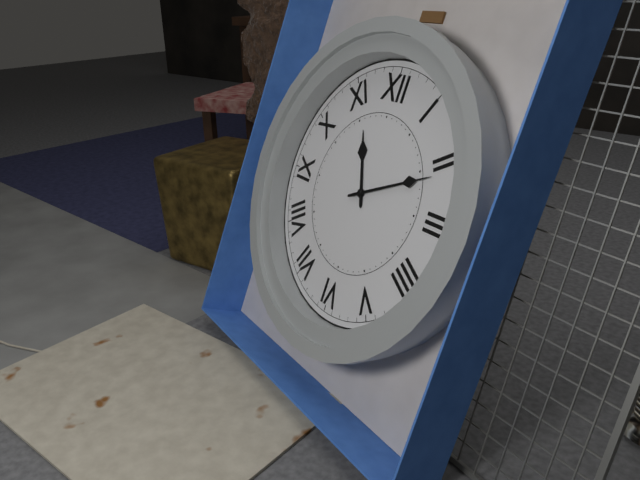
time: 11:11
